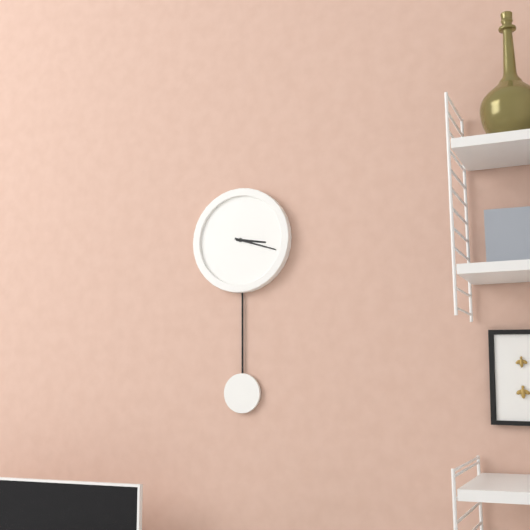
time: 3:18
